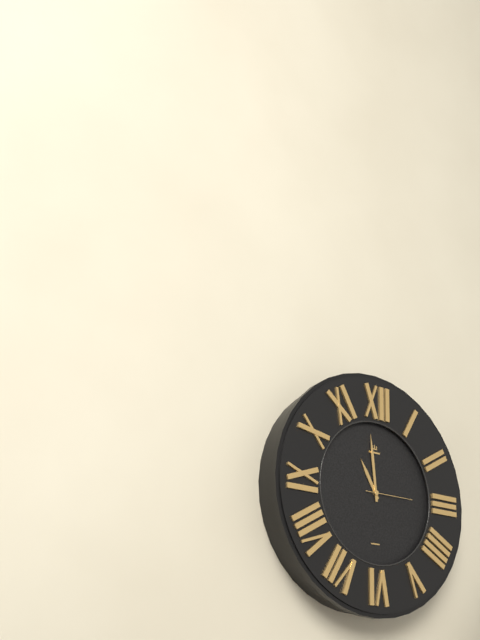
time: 10:59:15
